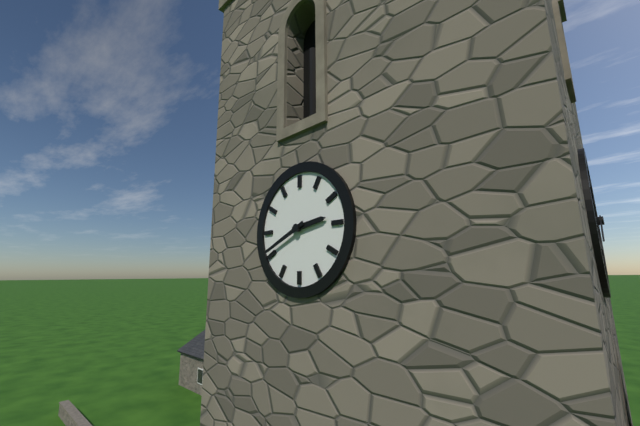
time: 2:41
